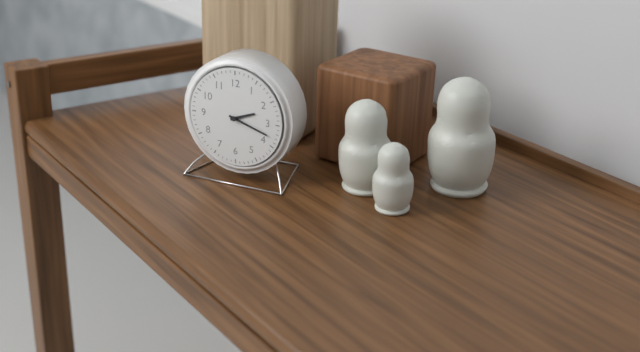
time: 2:18
